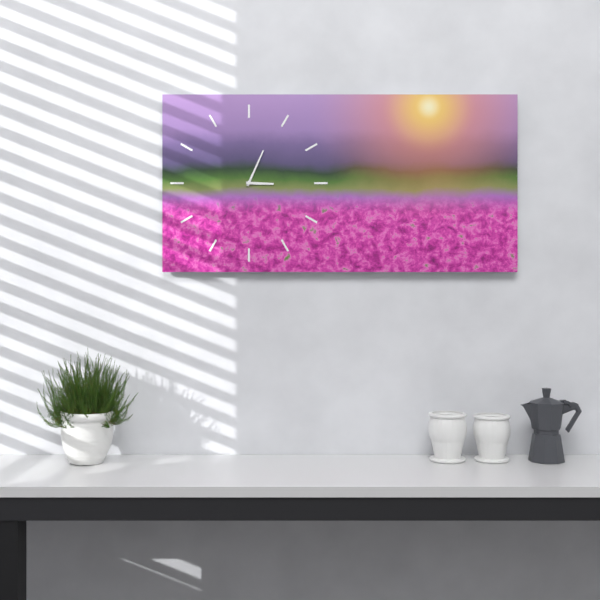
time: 3:04
